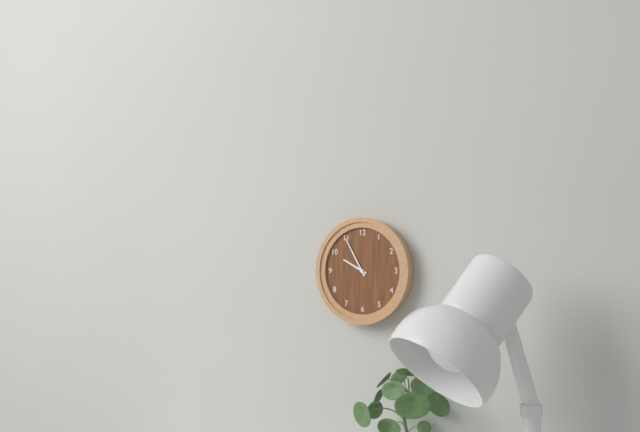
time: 9:55
